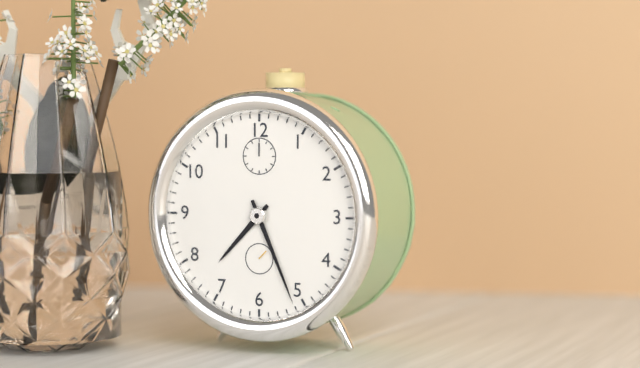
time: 7:26
